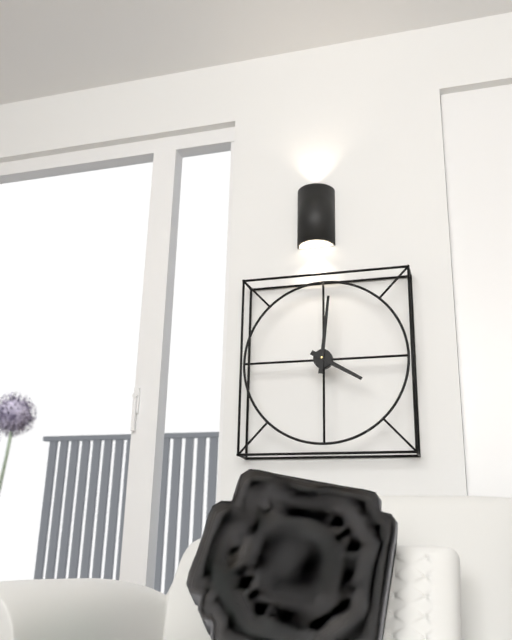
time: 4:01
